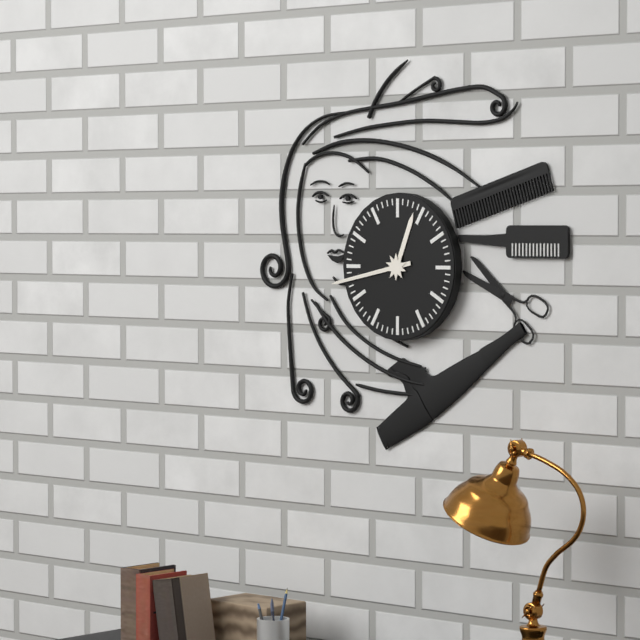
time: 12:43
